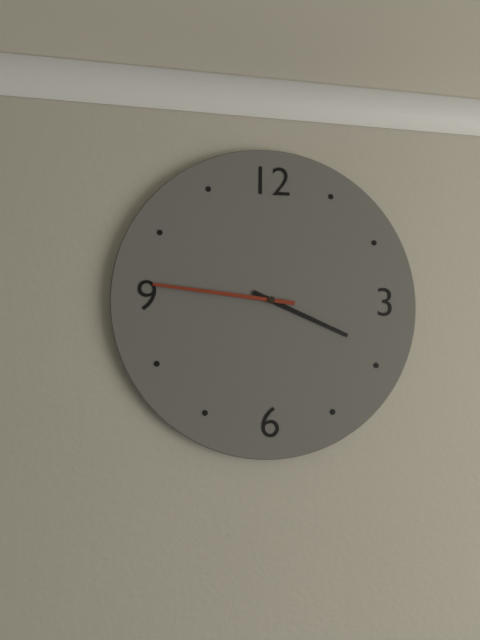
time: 3:46
